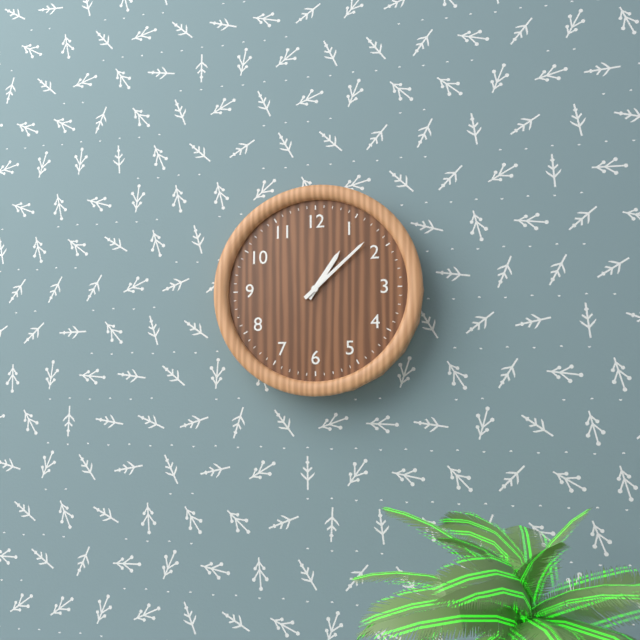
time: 1:08
